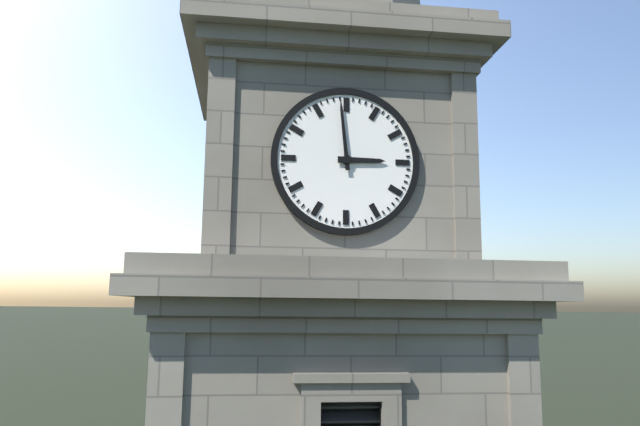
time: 2:59
